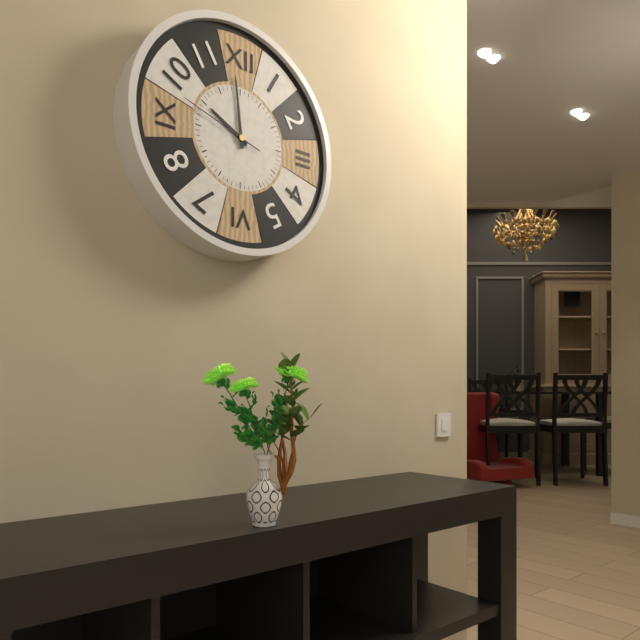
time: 9:59:48
